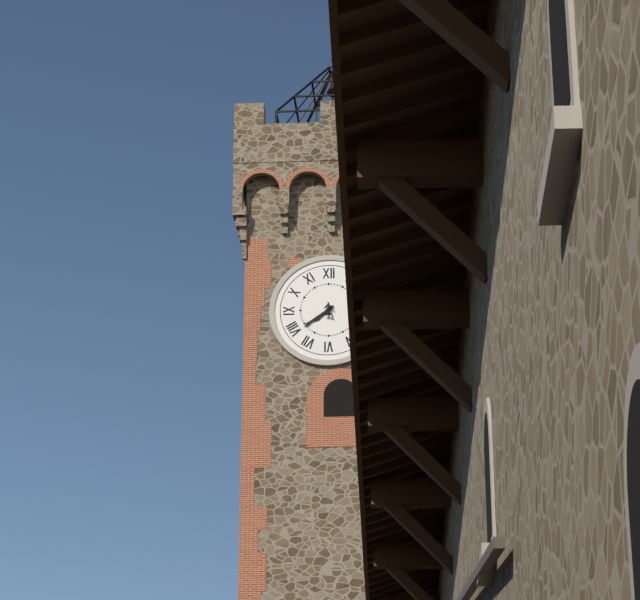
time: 7:39
